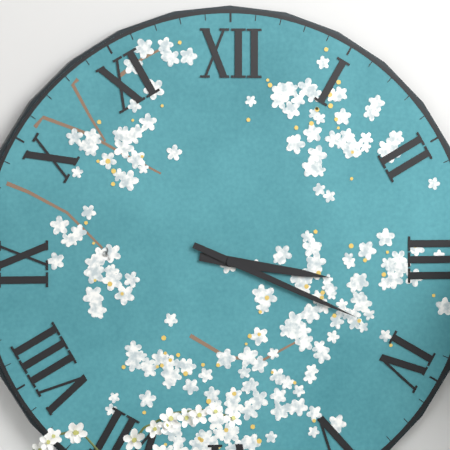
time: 3:19
